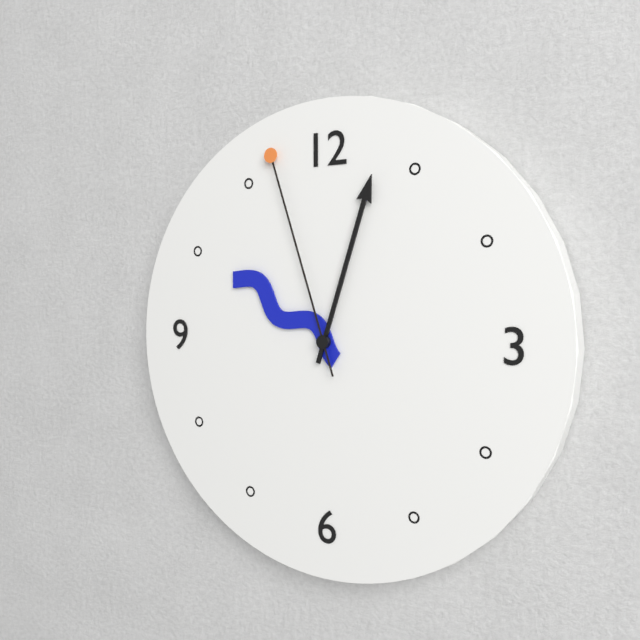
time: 10:03:57
